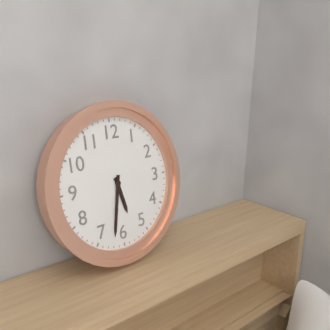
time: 5:32
